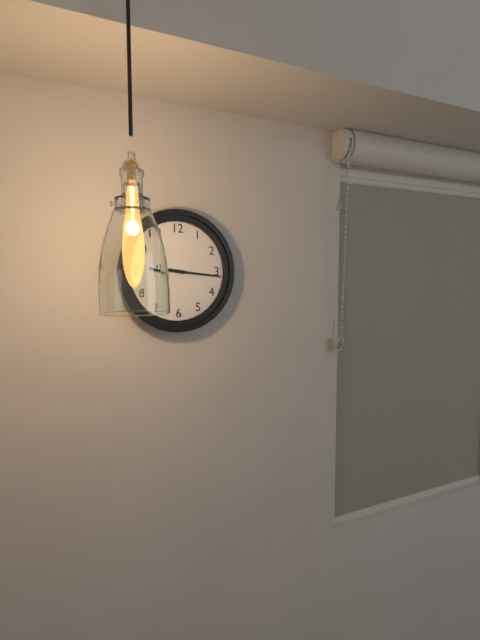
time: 9:16
